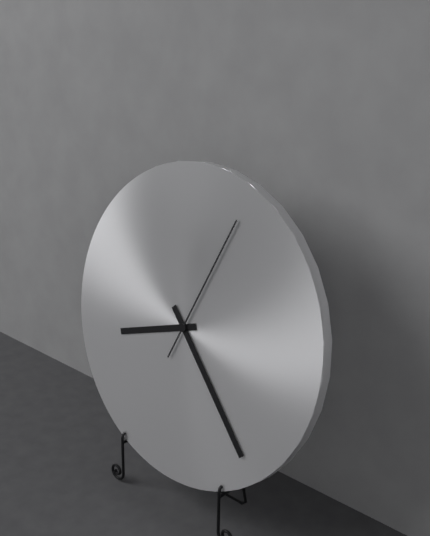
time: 8:23:04
